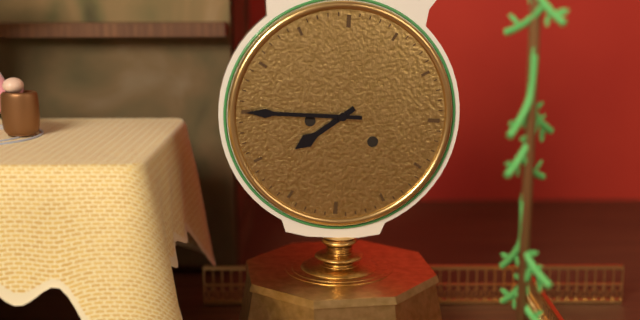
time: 7:45
